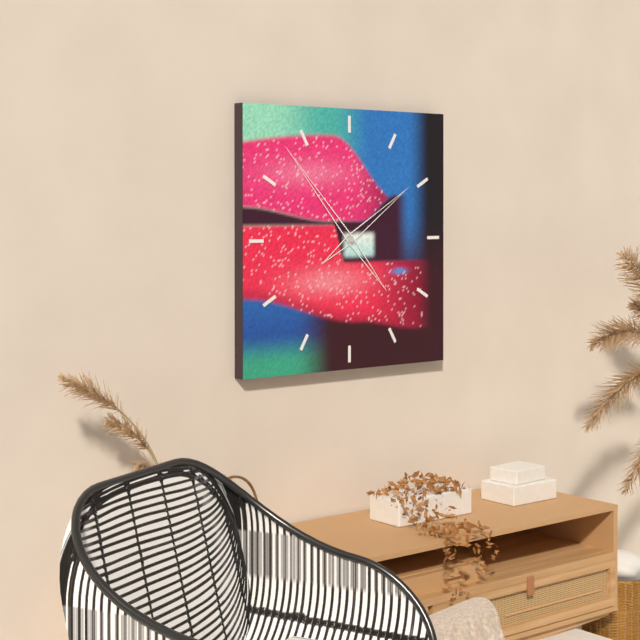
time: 1:53
